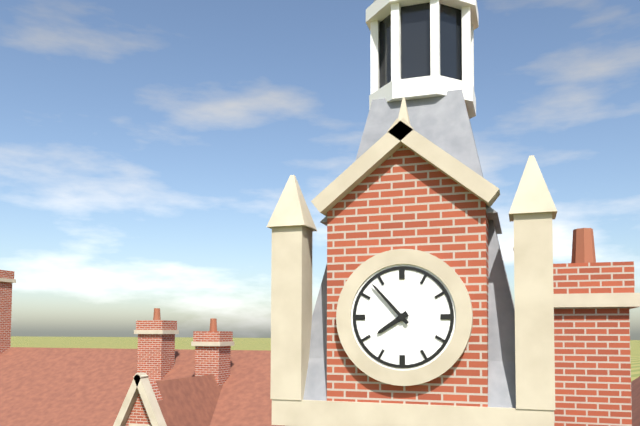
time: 7:53
